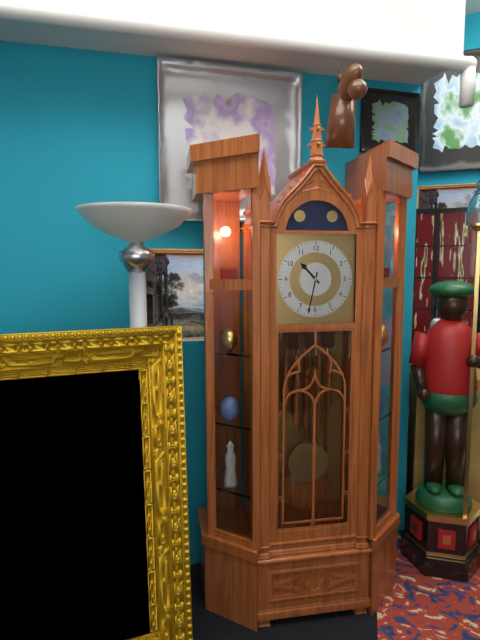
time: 10:32
